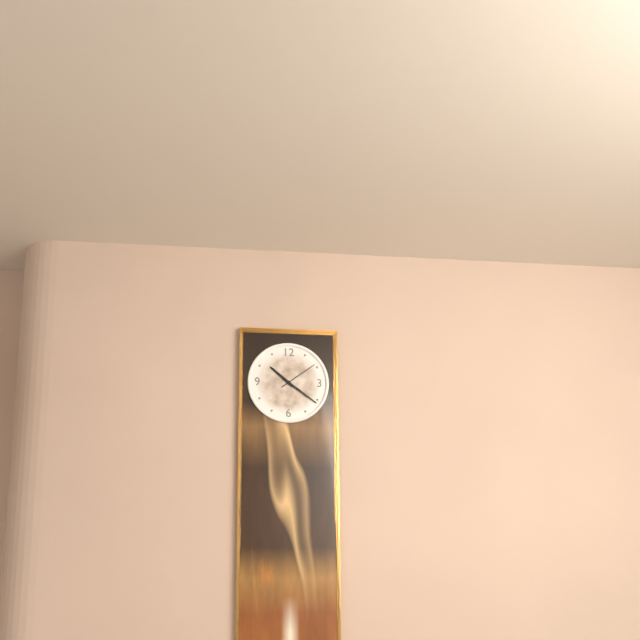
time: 10:21
